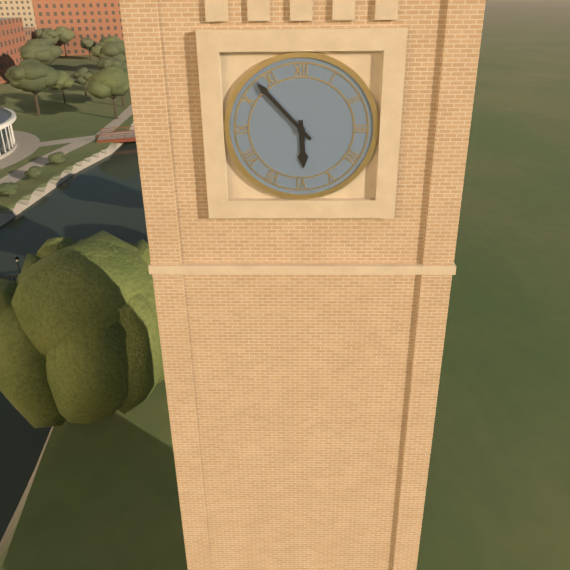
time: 5:53
